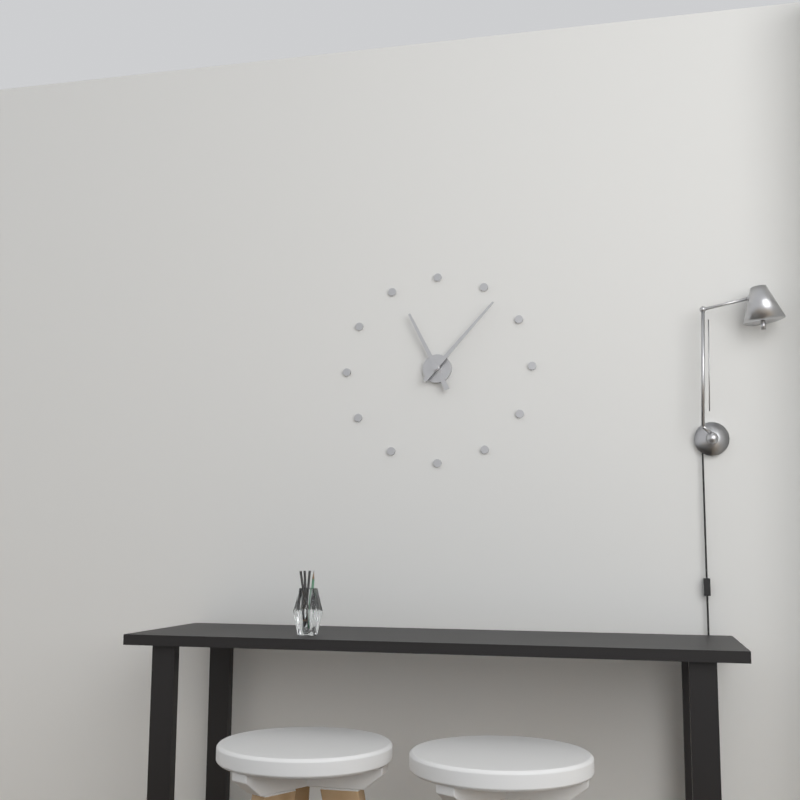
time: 11:07
